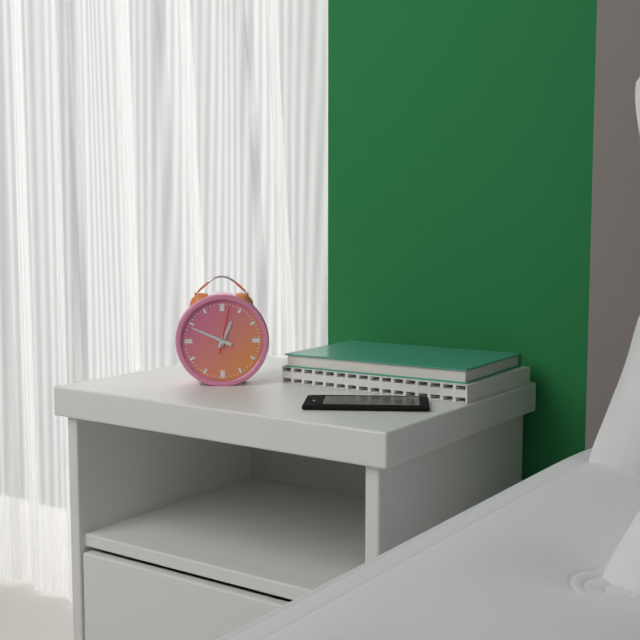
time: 12:49
